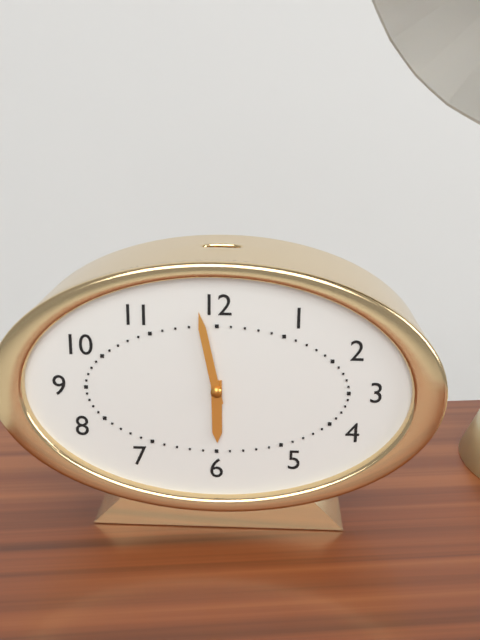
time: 5:58
